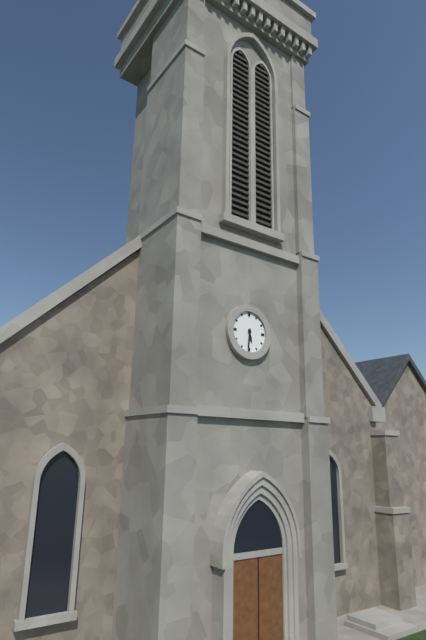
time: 5:31
